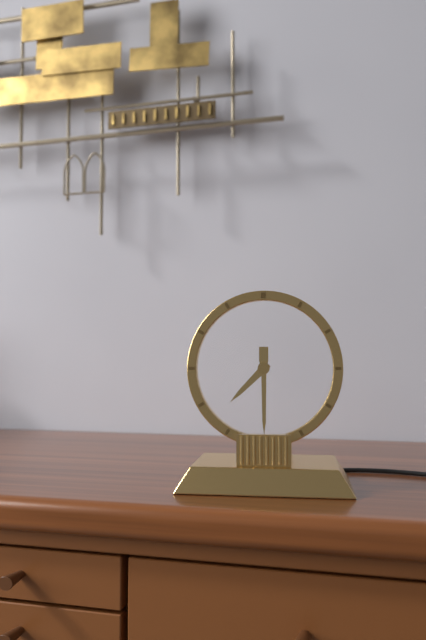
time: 7:30
